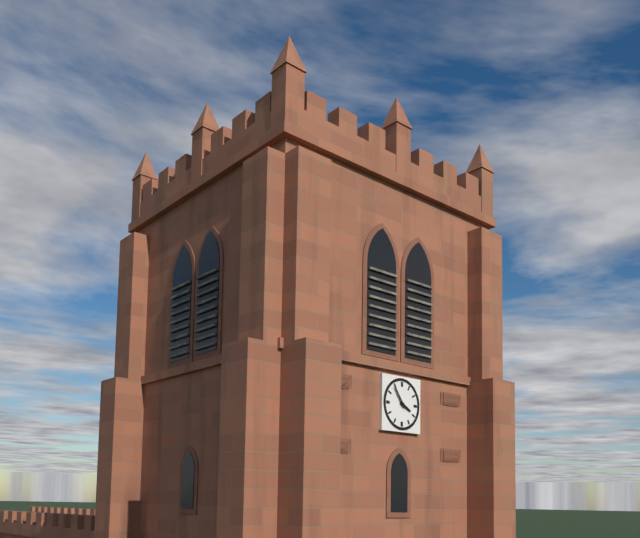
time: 3:54
